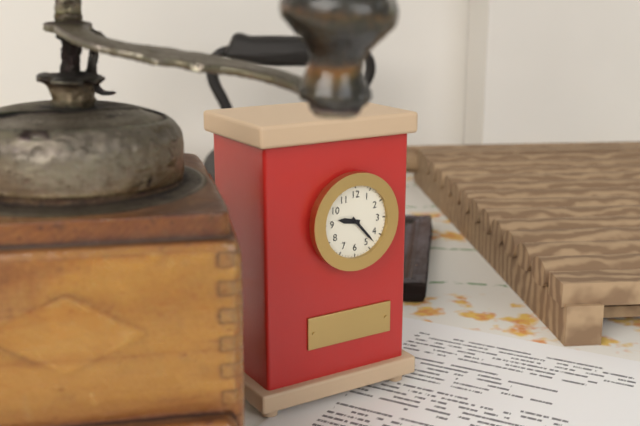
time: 9:23
